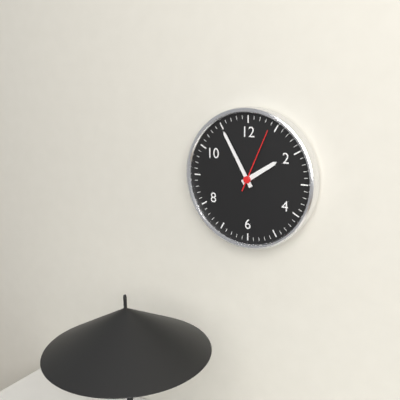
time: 1:55:04
